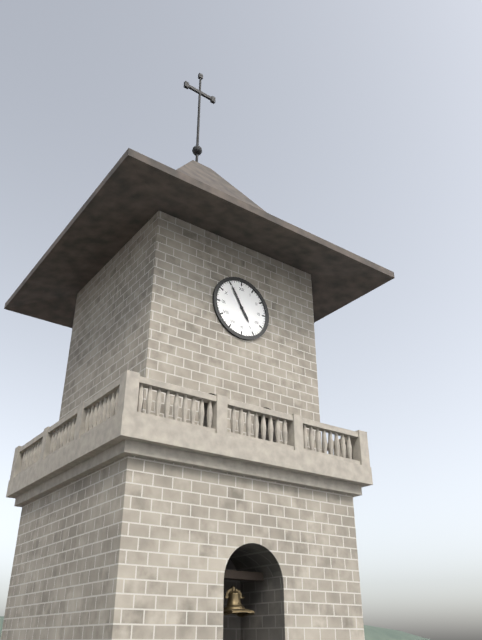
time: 4:55
